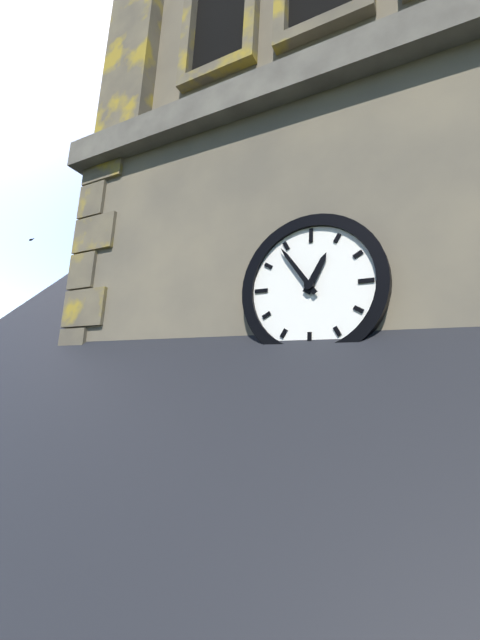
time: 12:54
